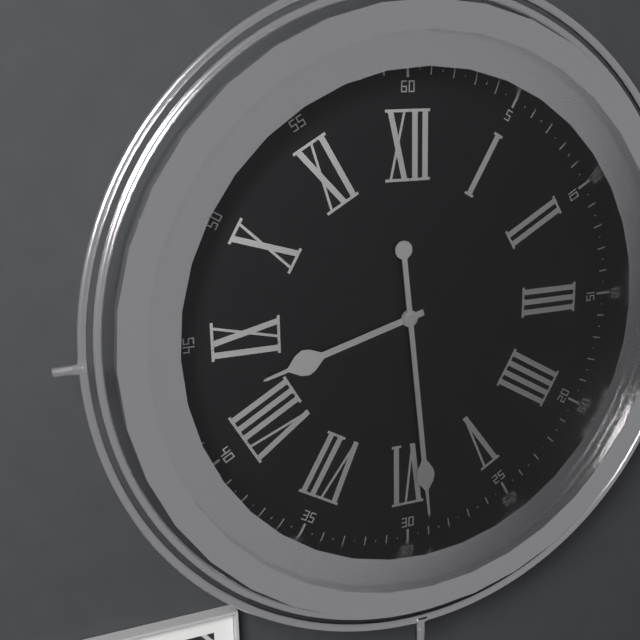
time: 8:29
